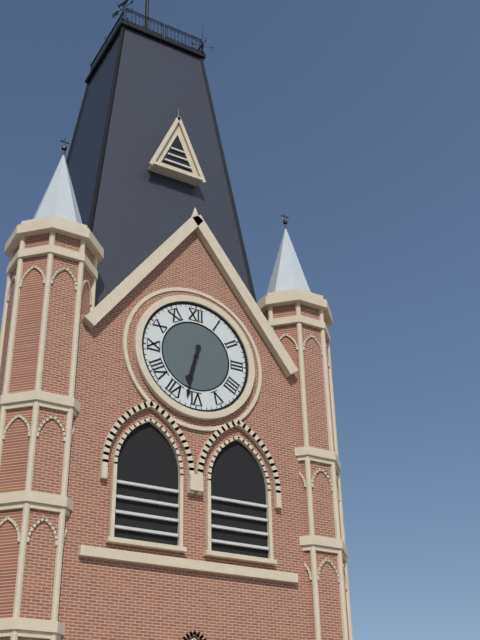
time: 6:32
